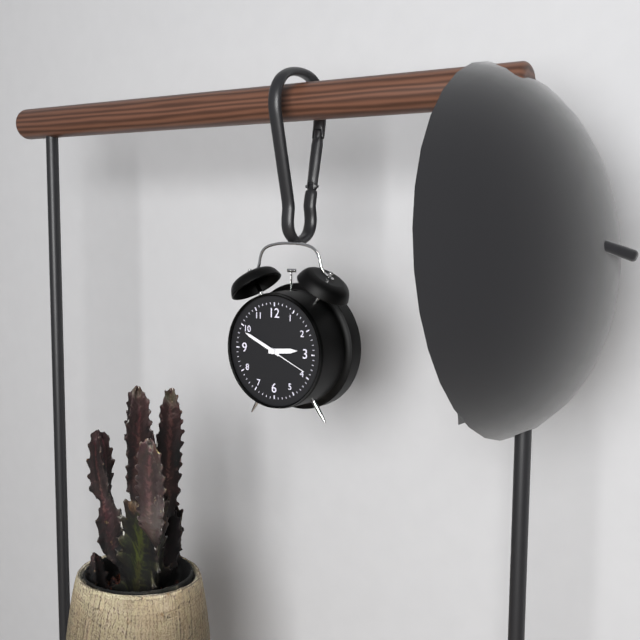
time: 2:49
